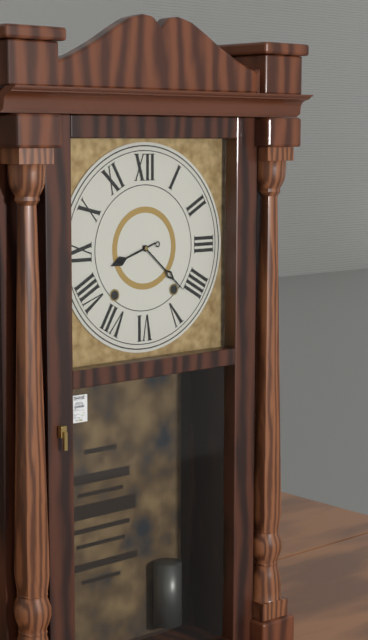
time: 8:22
